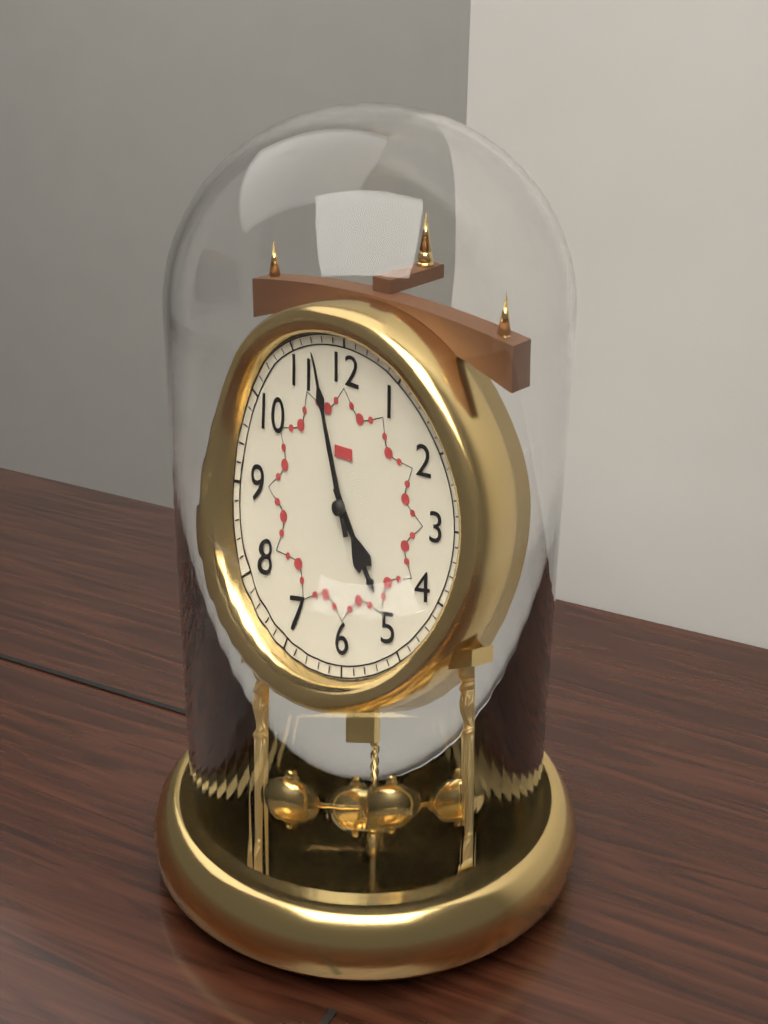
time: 4:57
